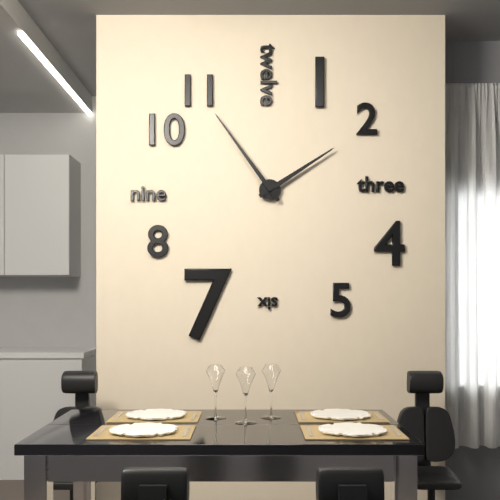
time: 1:54
